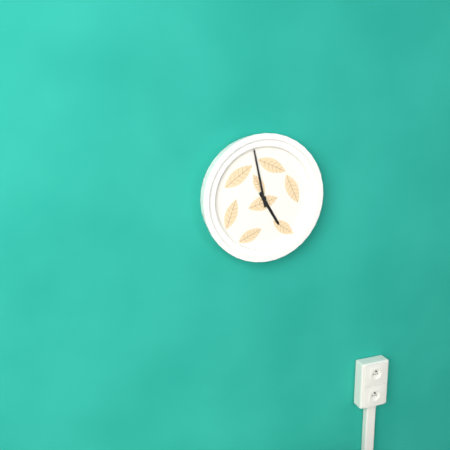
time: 4:58
